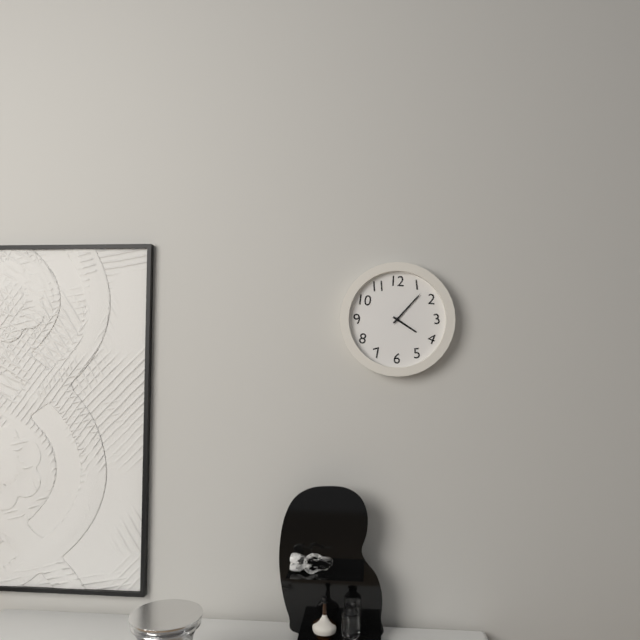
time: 4:07
